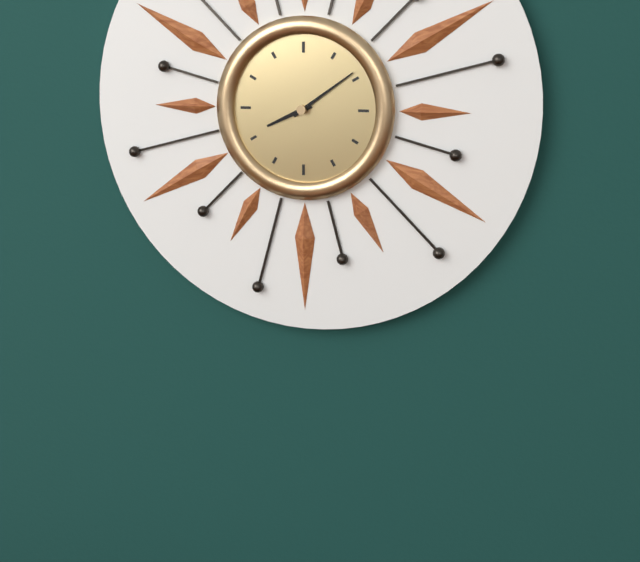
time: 8:09
